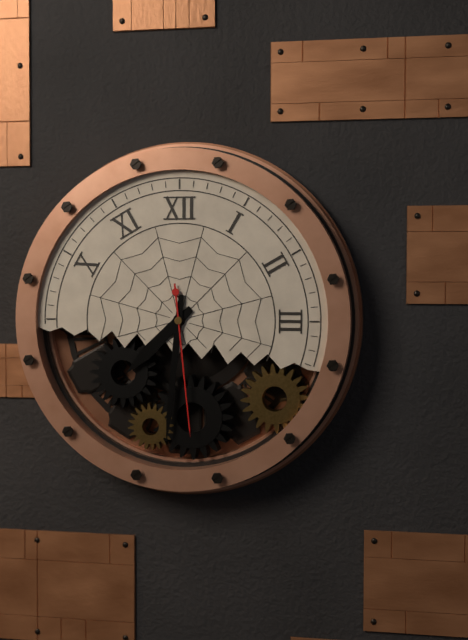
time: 7:31:29
